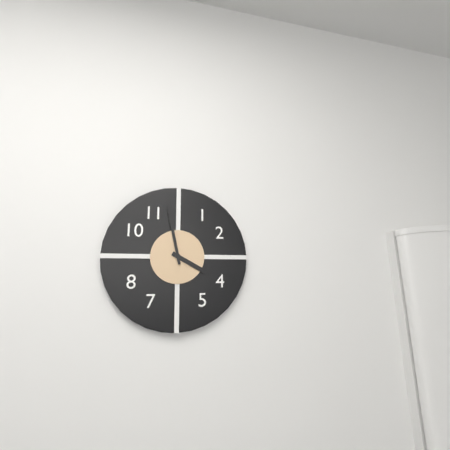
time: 3:58
